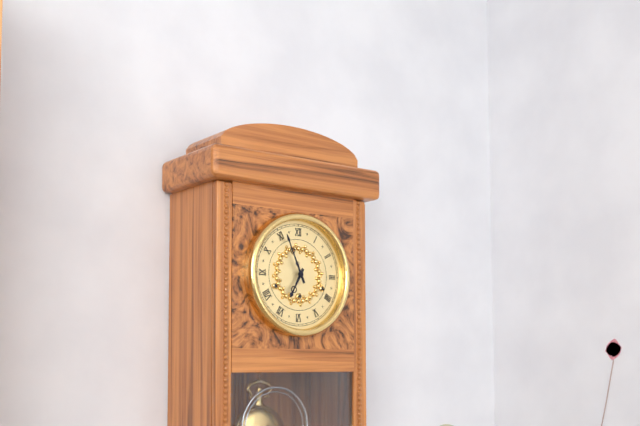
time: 6:56
